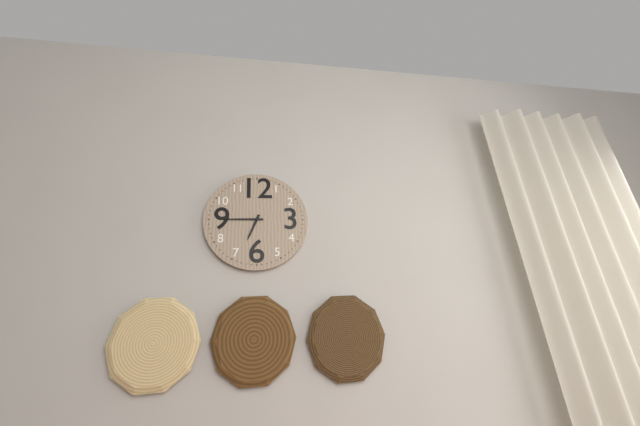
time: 6:45
